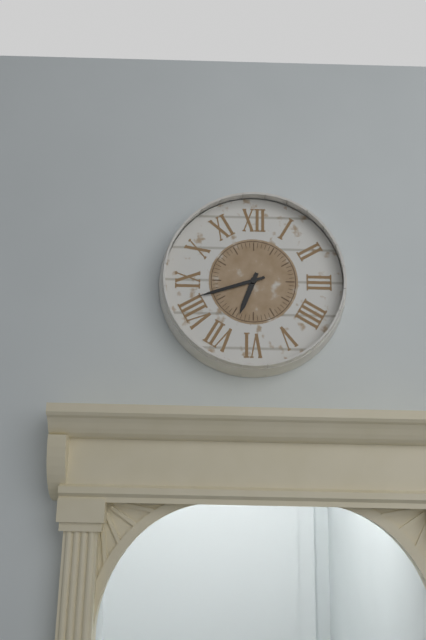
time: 6:42
